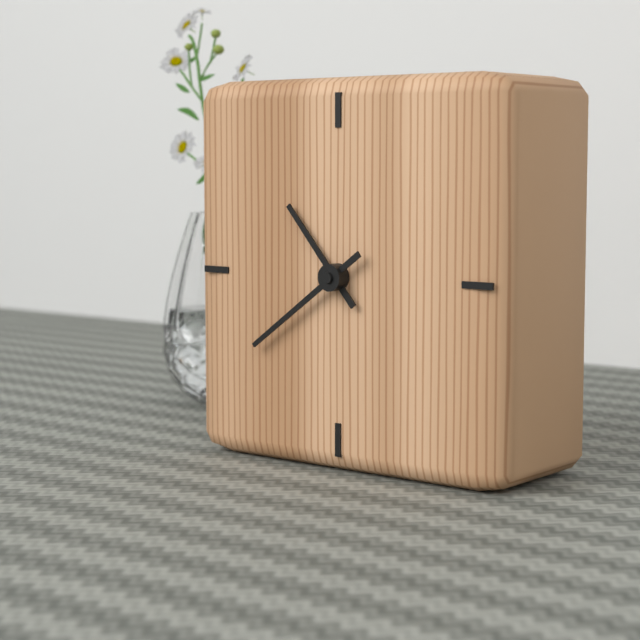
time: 10:39
